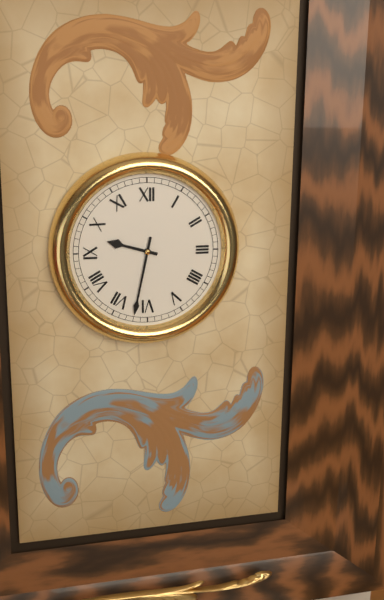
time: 9:32
